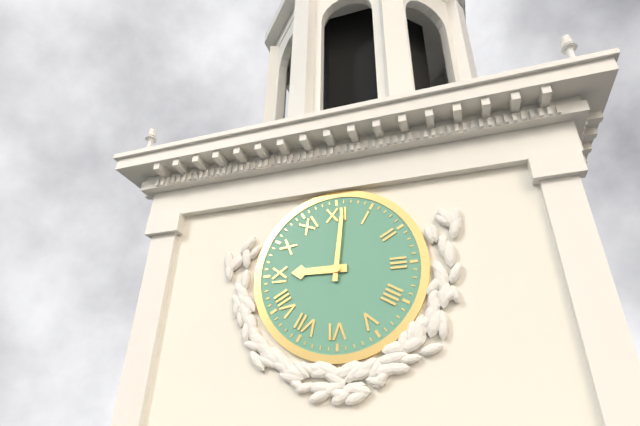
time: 9:01
